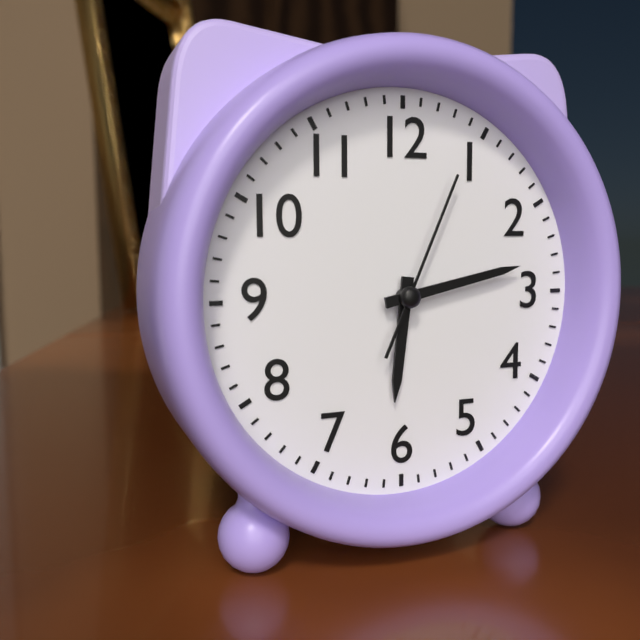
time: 6:13:04
